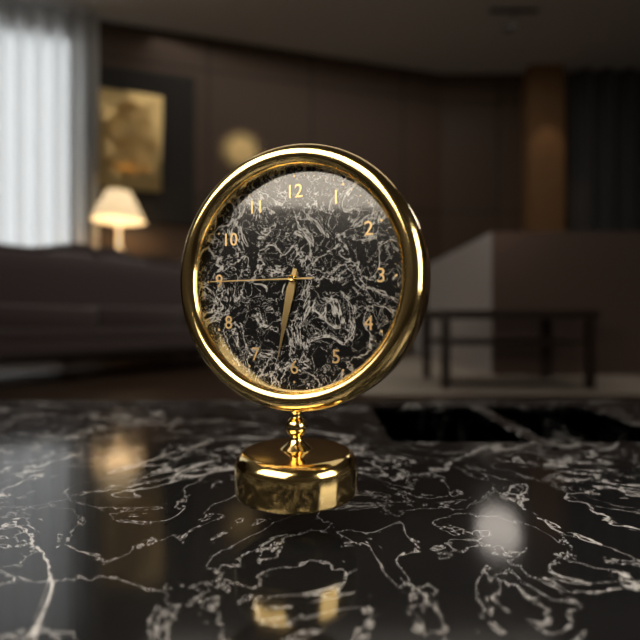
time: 6:32:45
